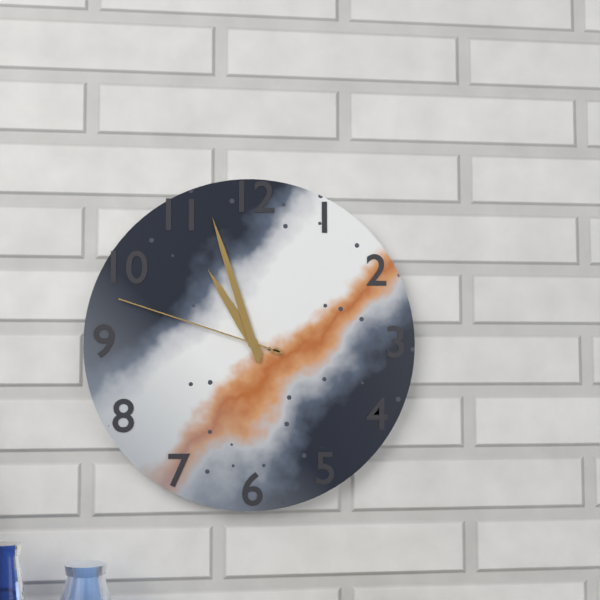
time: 10:57:48
